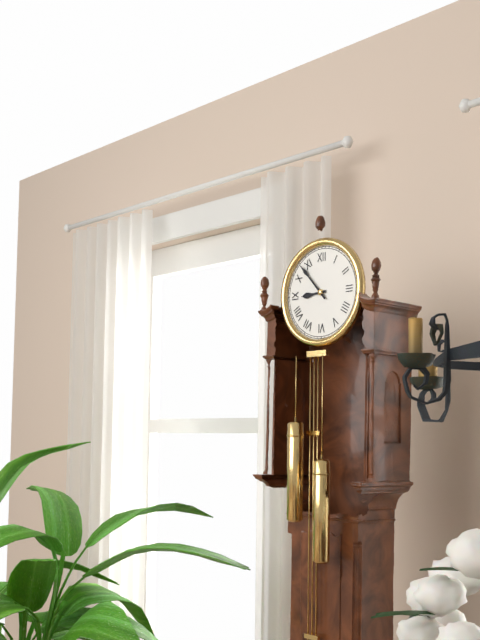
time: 8:53
